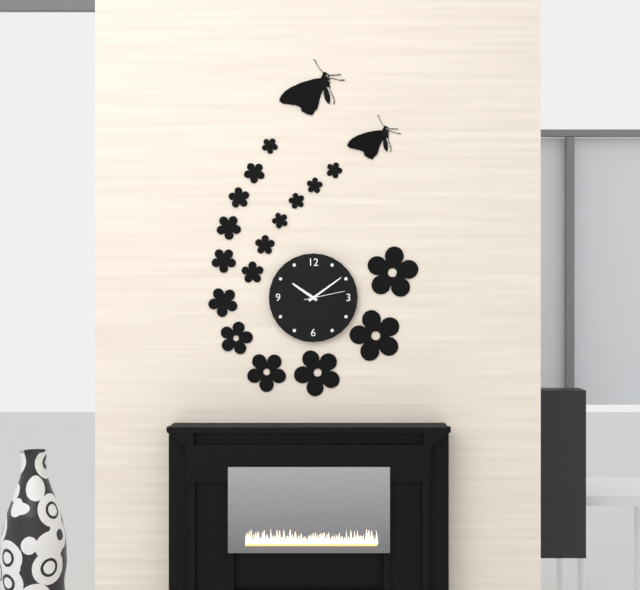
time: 10:09
